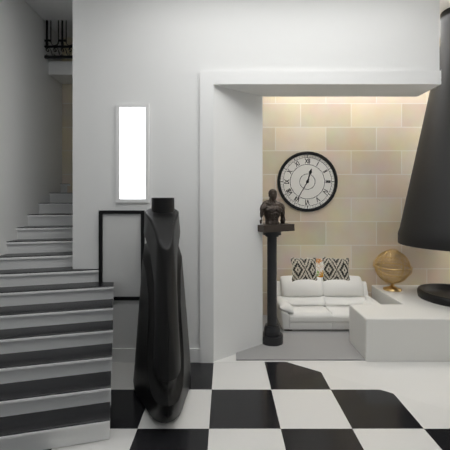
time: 12:35
